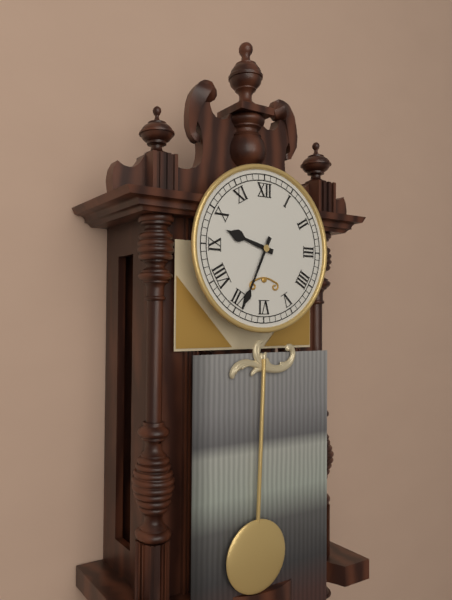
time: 9:34
